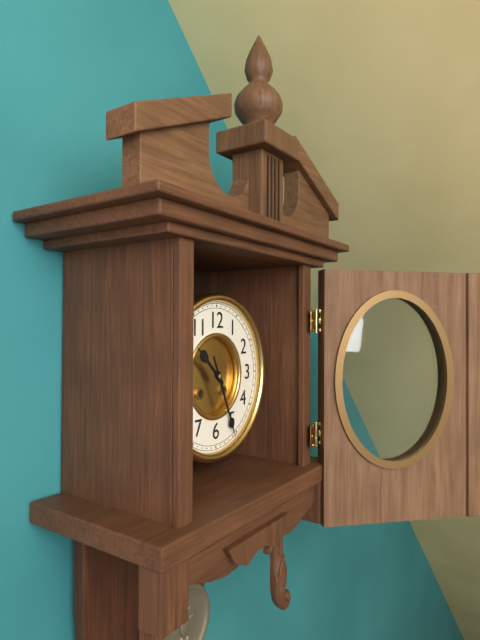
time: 10:26
